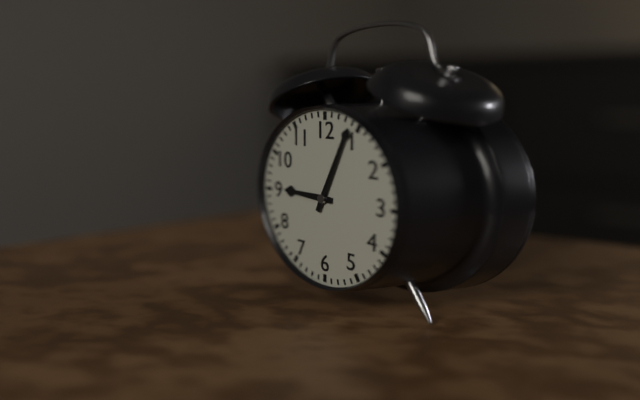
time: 9:04
